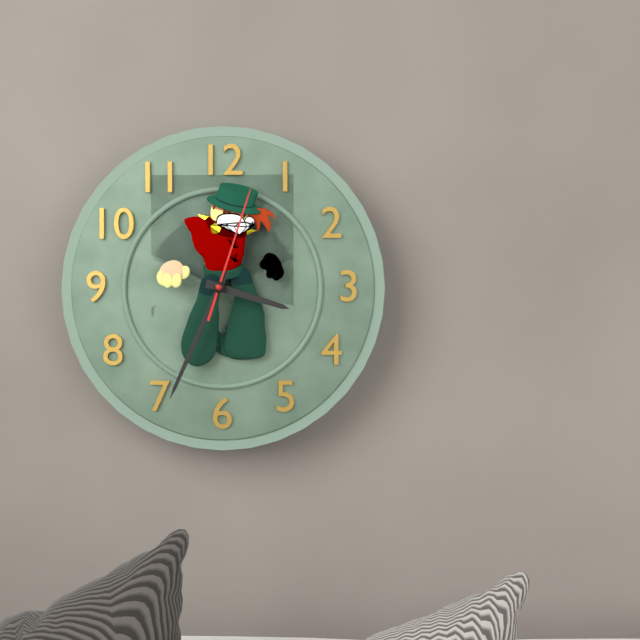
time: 3:34:03
